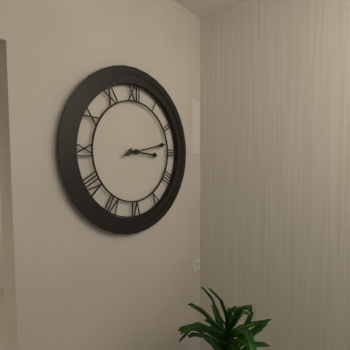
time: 3:13
